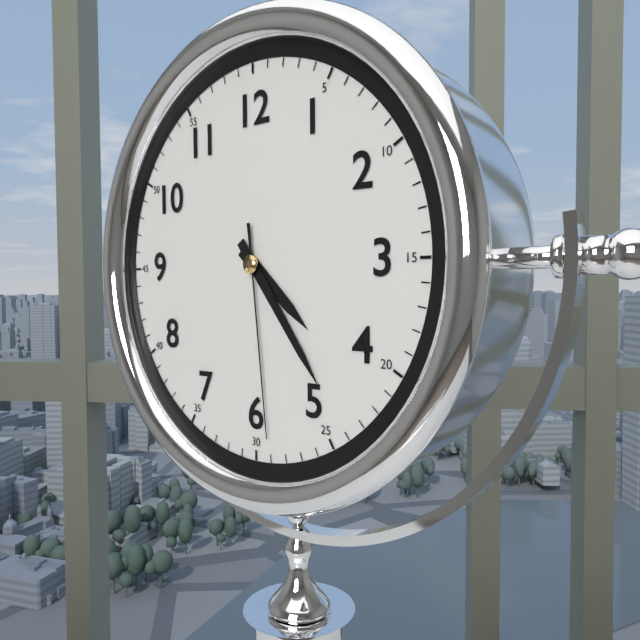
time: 4:24:29
